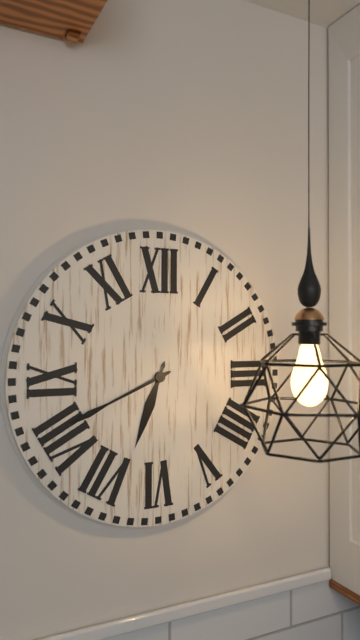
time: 6:41
